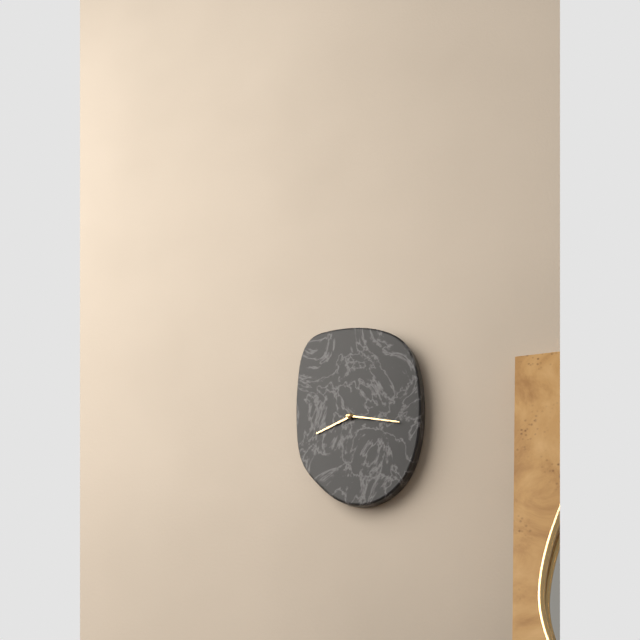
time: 8:17
